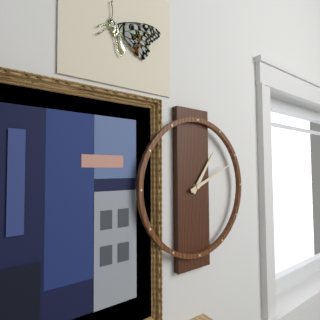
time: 1:11
